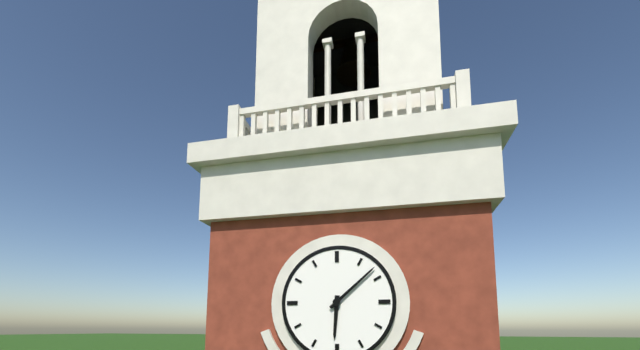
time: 6:08
